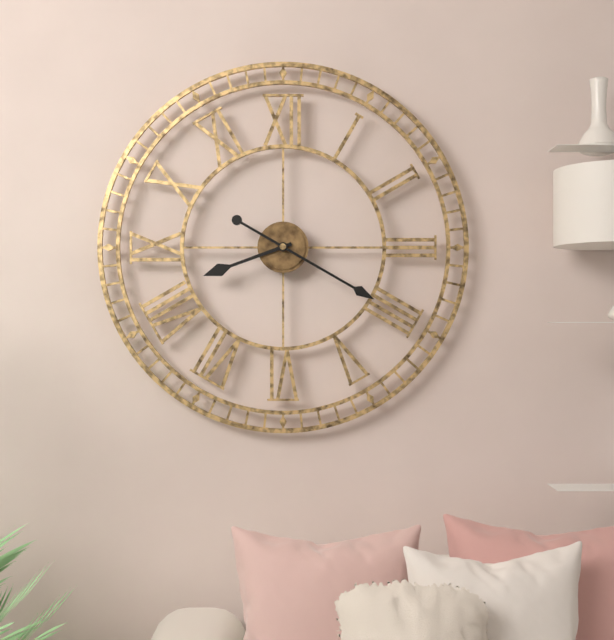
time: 8:20
